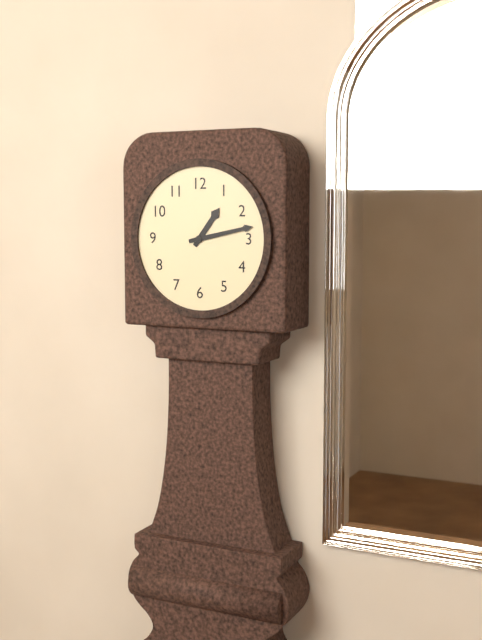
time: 1:13
